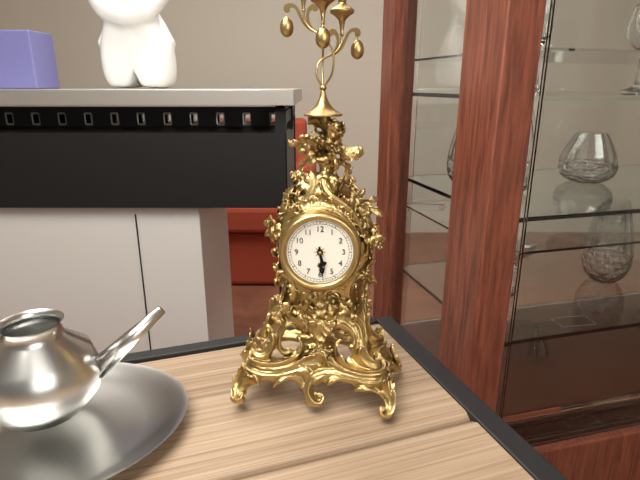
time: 5:29
